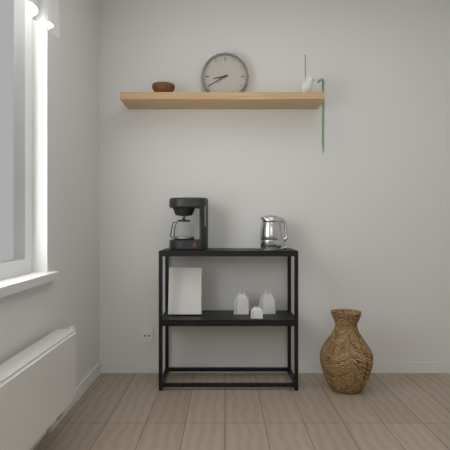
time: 8:40
